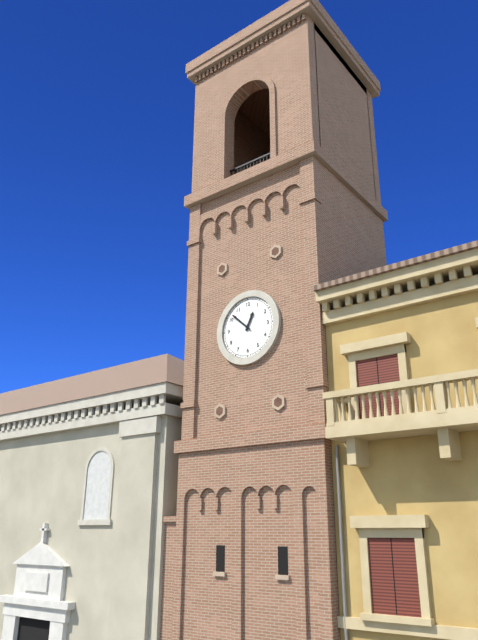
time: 12:52
